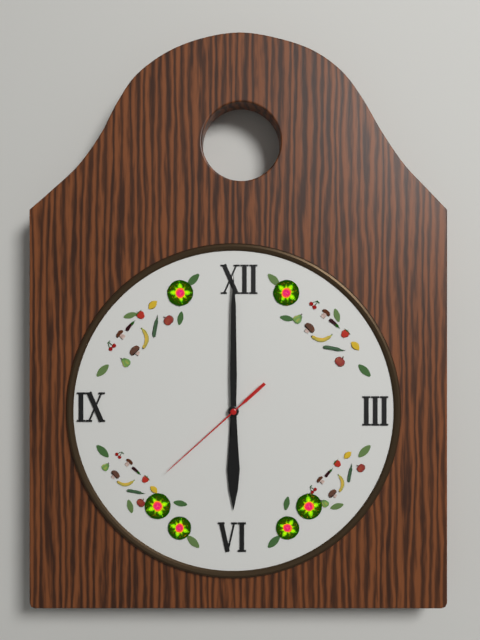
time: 6:00:38
